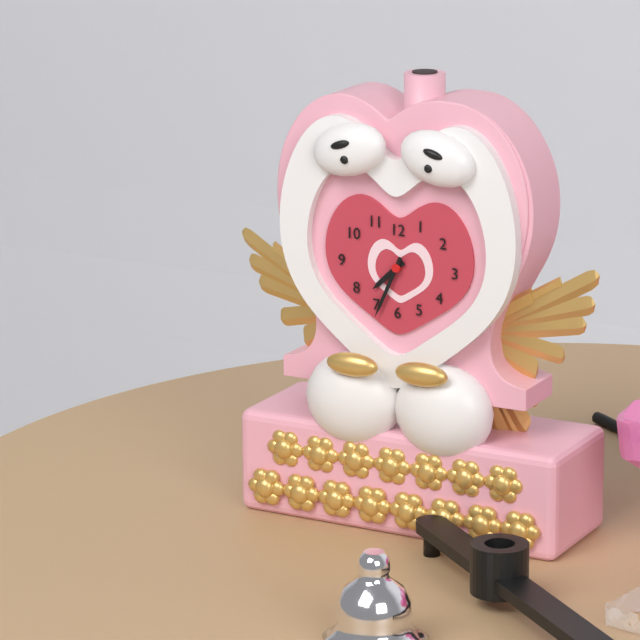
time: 7:34
